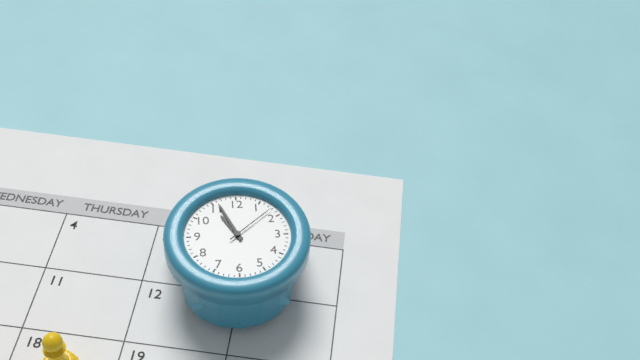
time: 10:56:08
